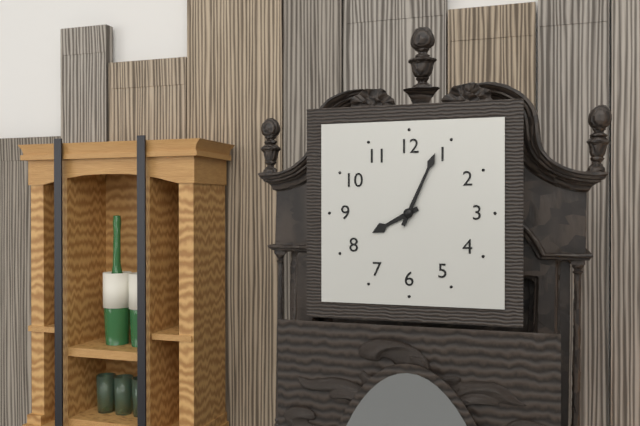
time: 8:04
